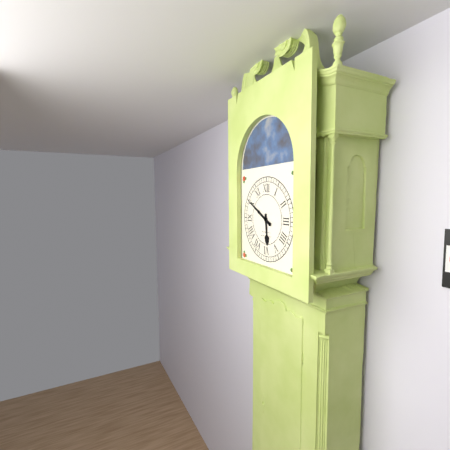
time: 5:50
